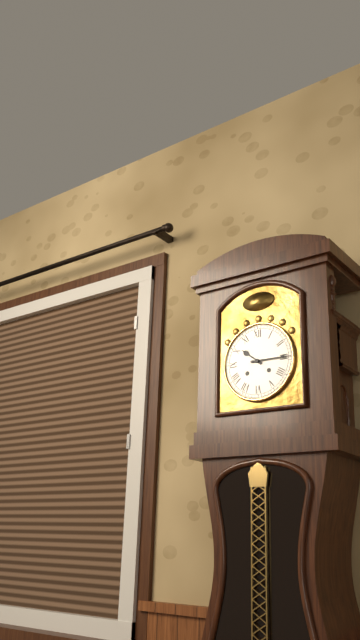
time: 10:15
